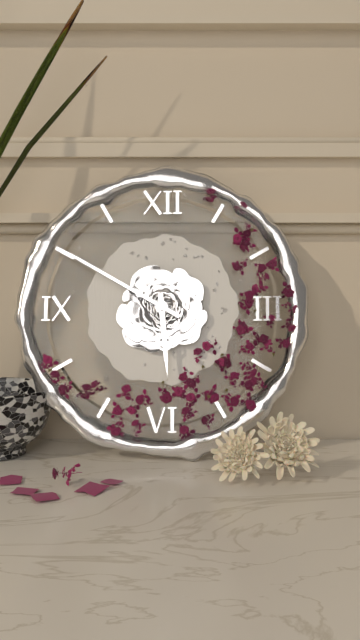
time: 5:50
